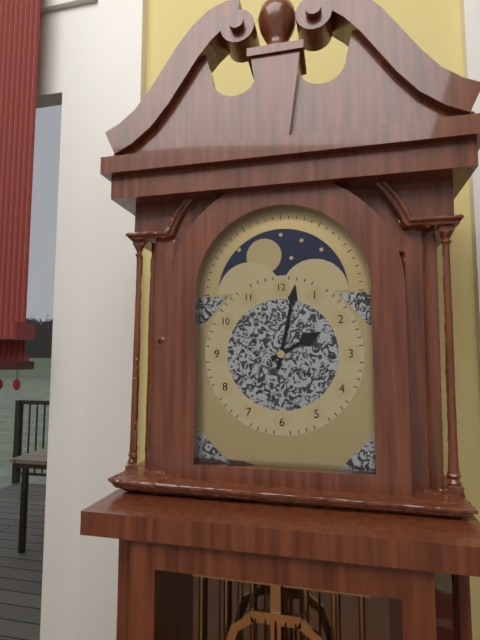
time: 2:02
